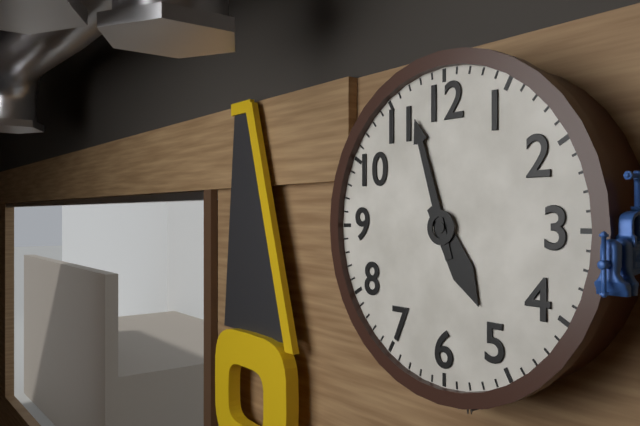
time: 4:57
